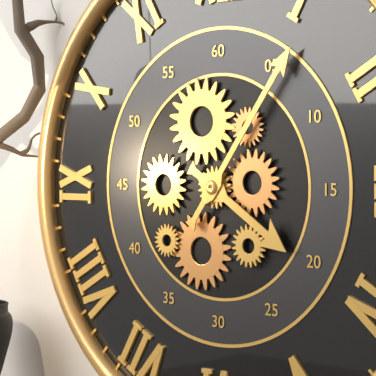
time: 4:06
